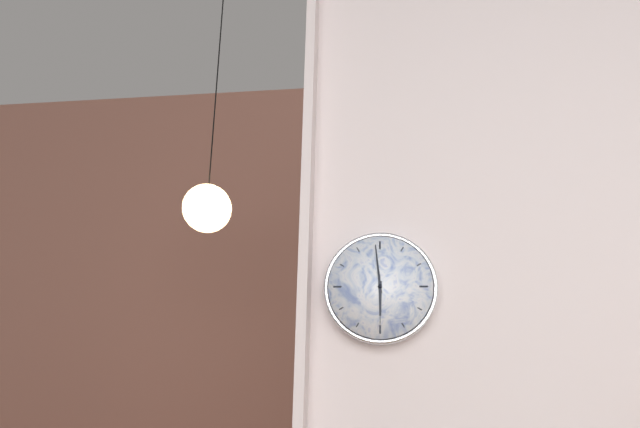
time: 5:59:30
